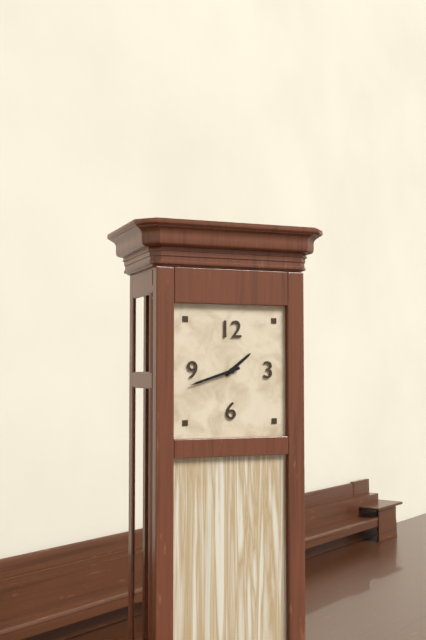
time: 1:42
